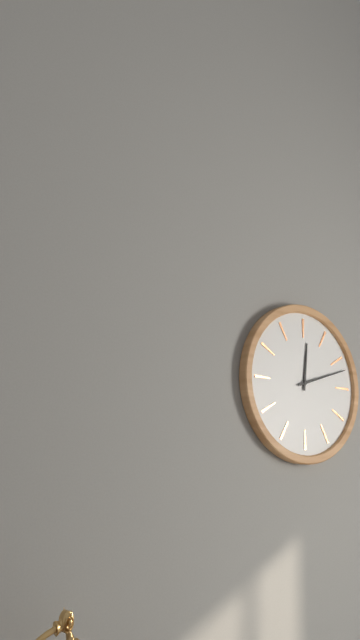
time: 12:12
